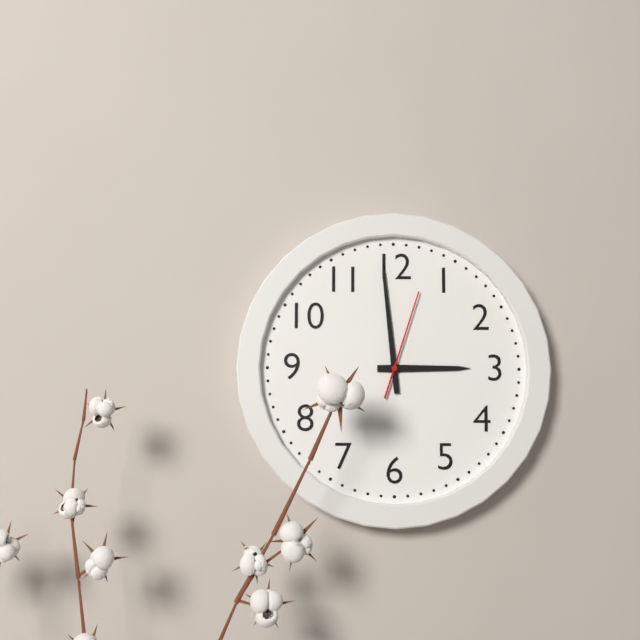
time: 2:59:03
